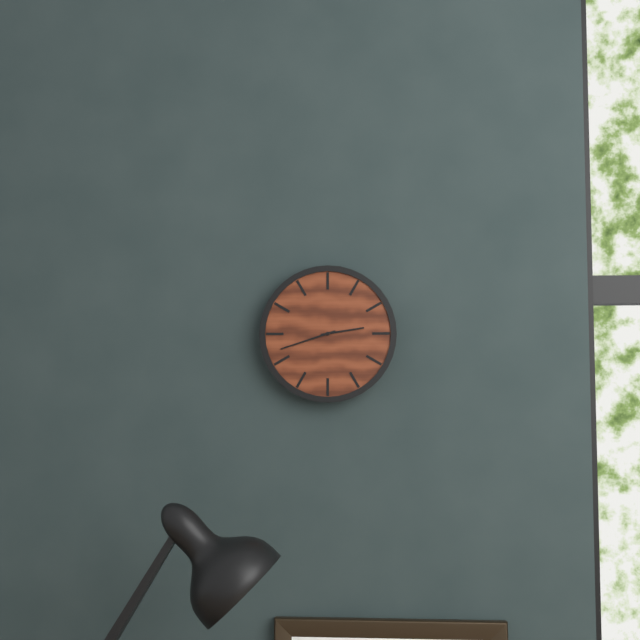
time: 2:42
